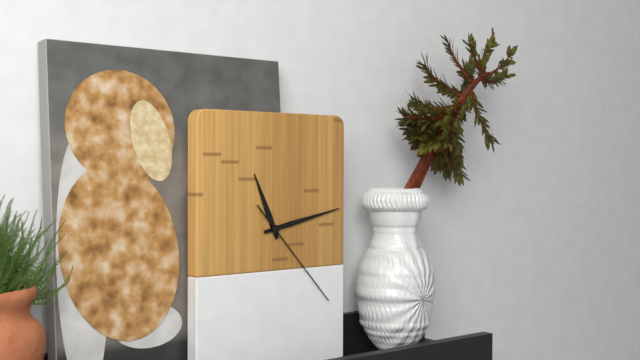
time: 11:13:23
